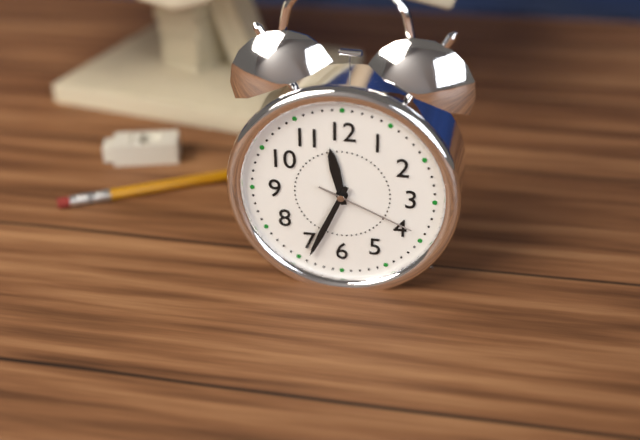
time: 11:34:19
